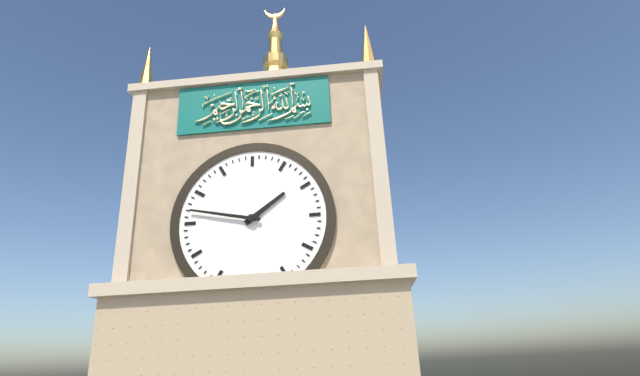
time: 1:47
